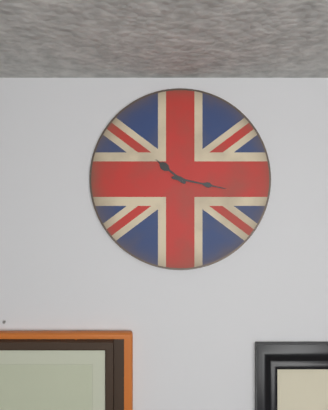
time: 10:17
